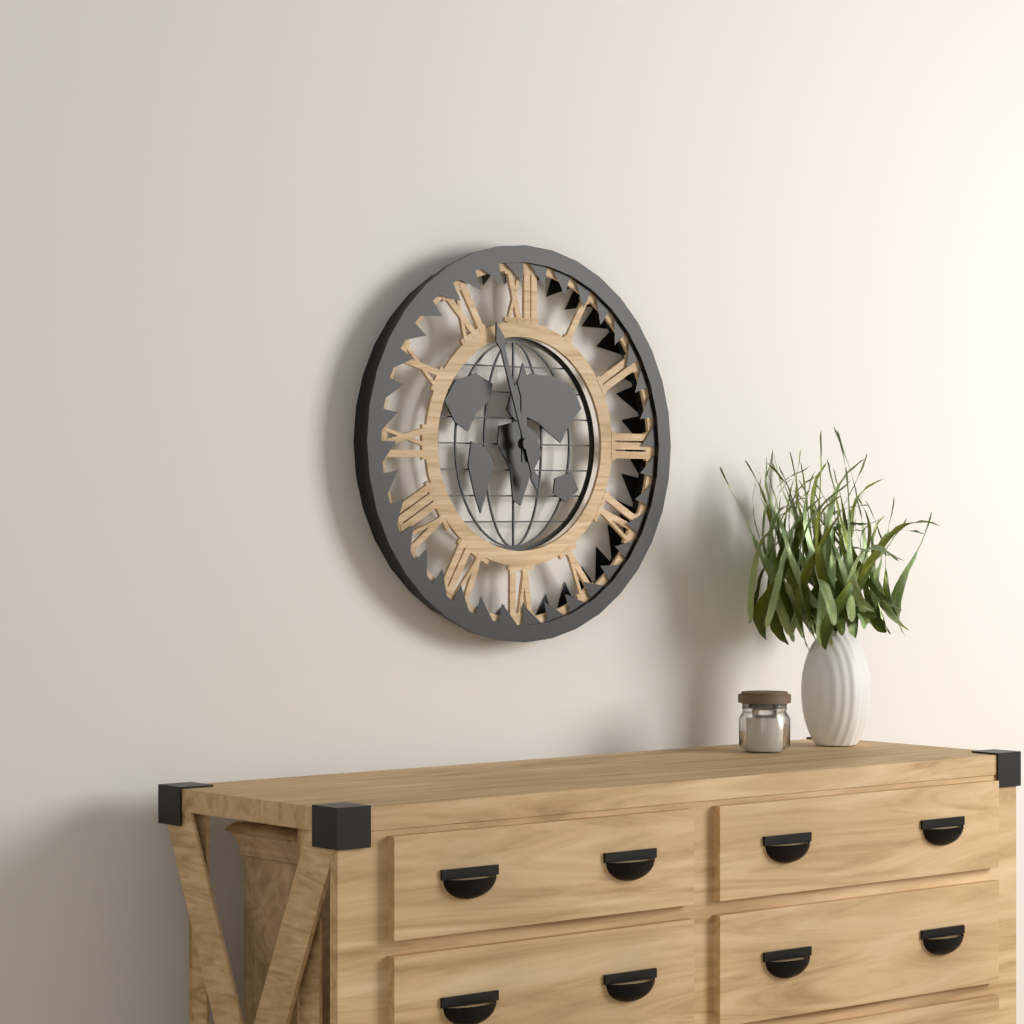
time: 11:57
